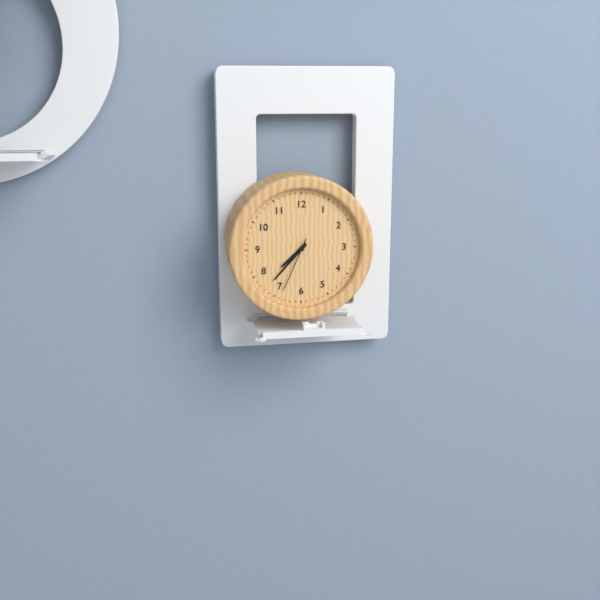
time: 7:37:34
